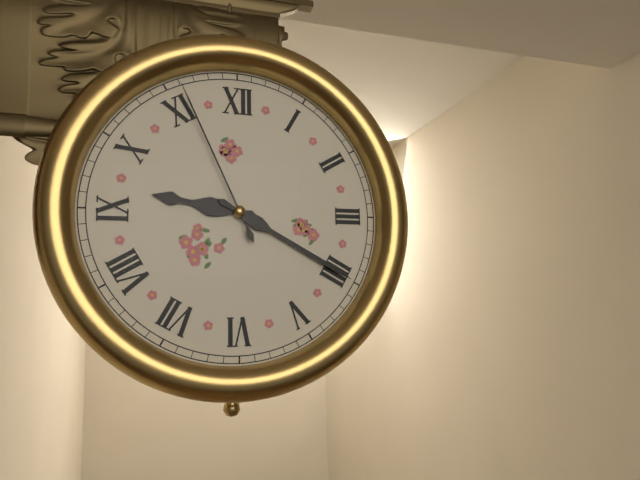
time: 9:20:56
